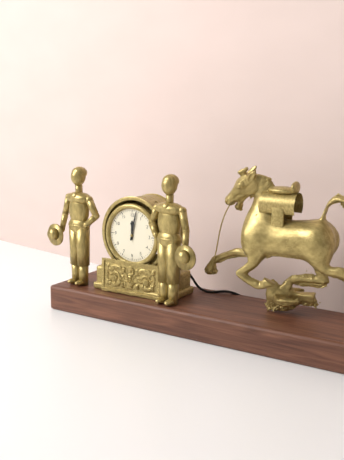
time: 12:02
